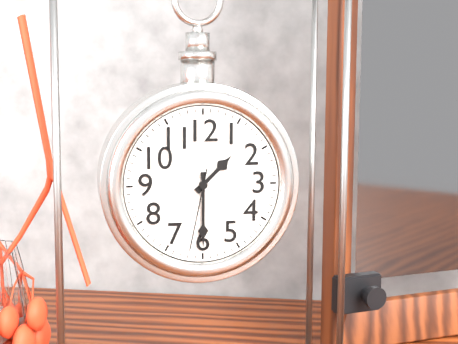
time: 1:30:32
